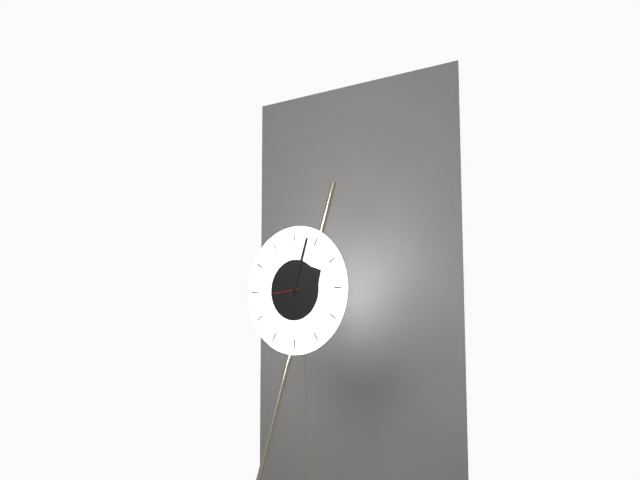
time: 2:03
